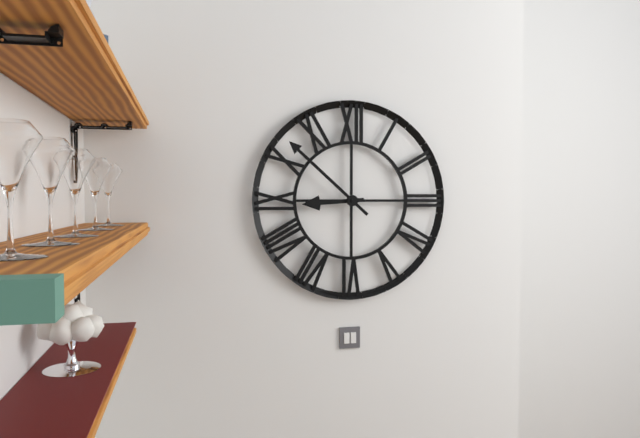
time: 8:52
